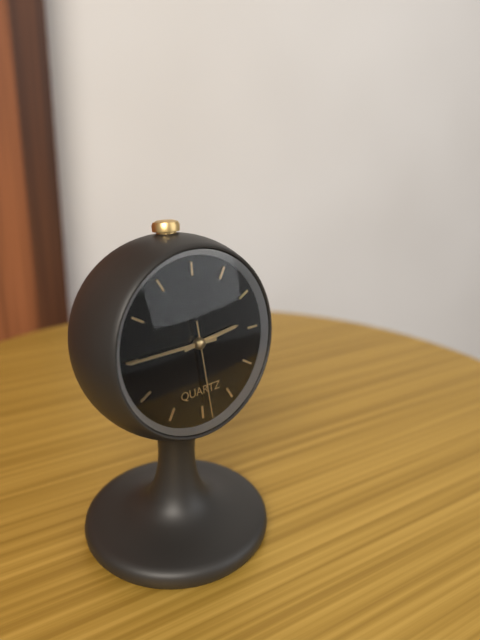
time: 2:45:29
